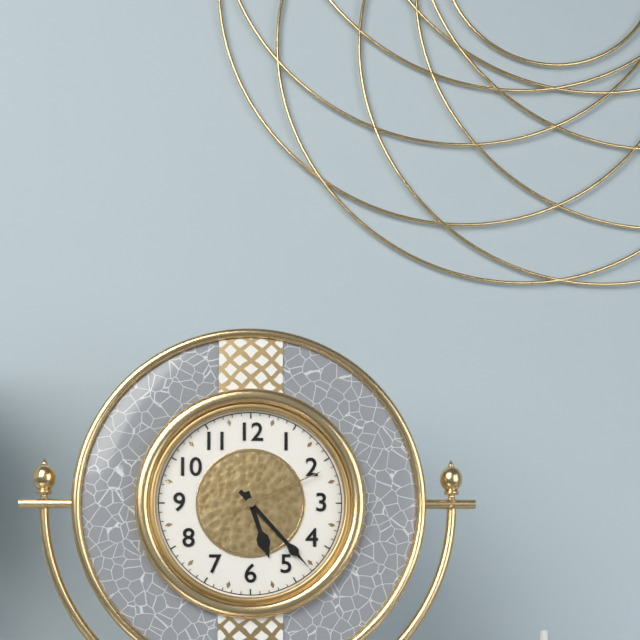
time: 5:23:11
